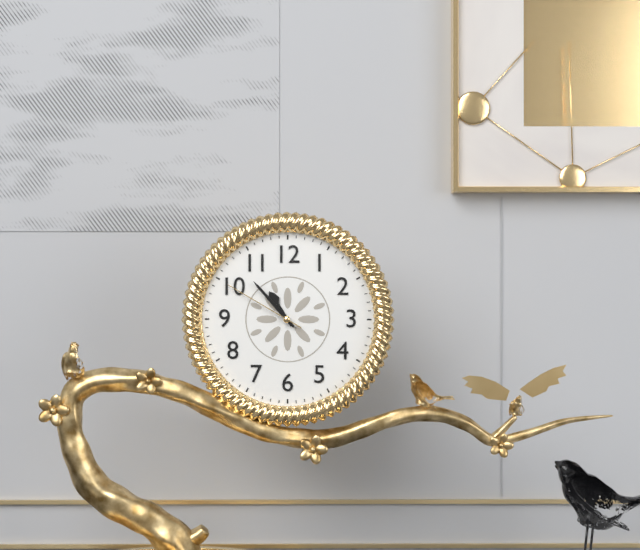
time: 10:53:50
